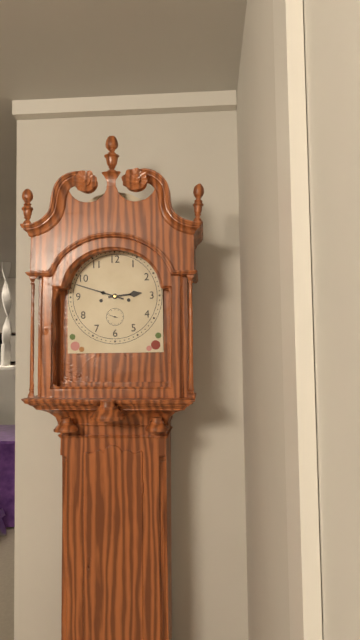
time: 2:48
